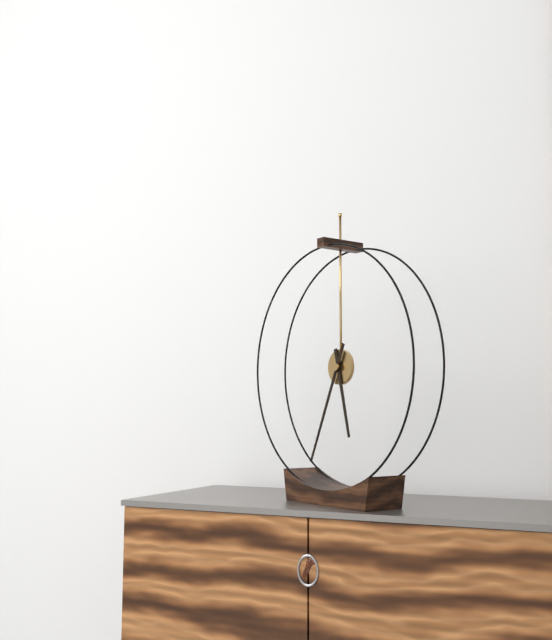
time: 5:34
